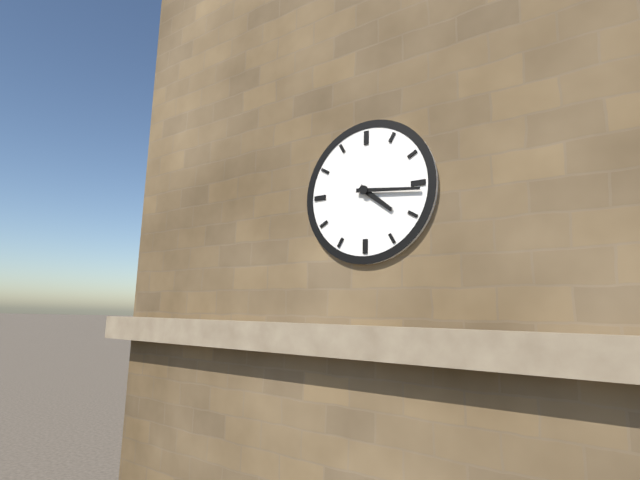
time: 4:16
